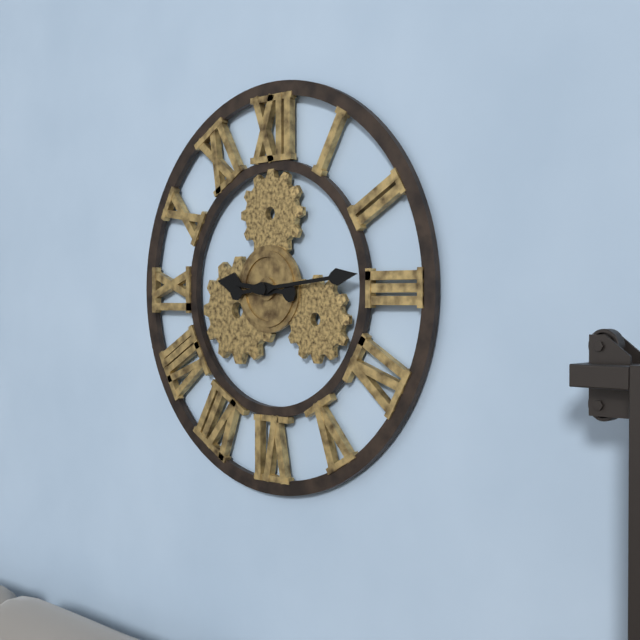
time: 9:14
